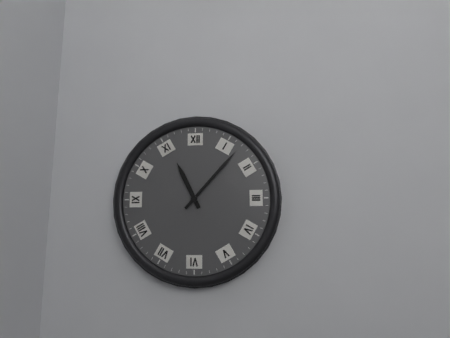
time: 11:07
